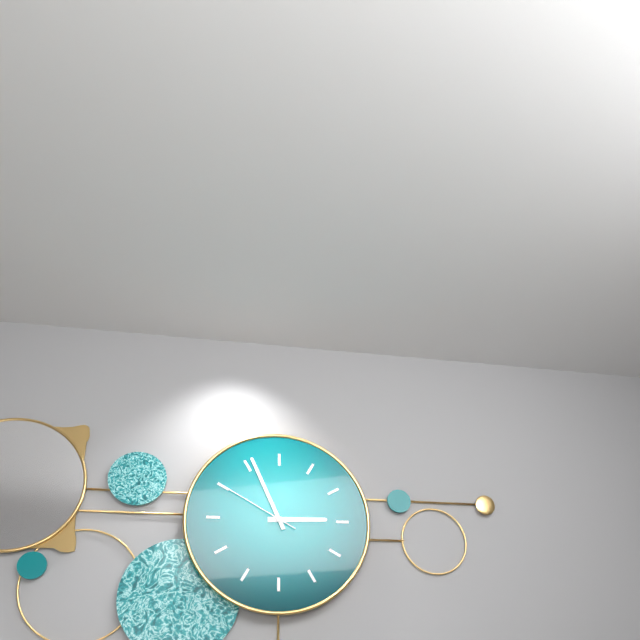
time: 2:56:50
